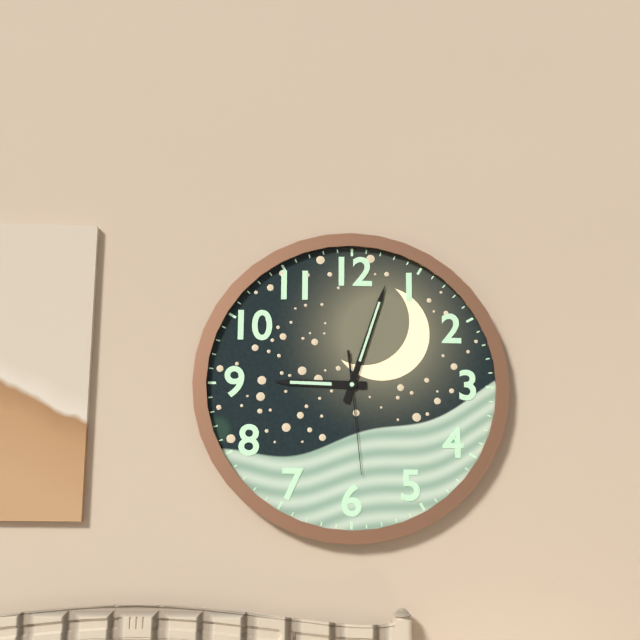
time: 9:03:29
